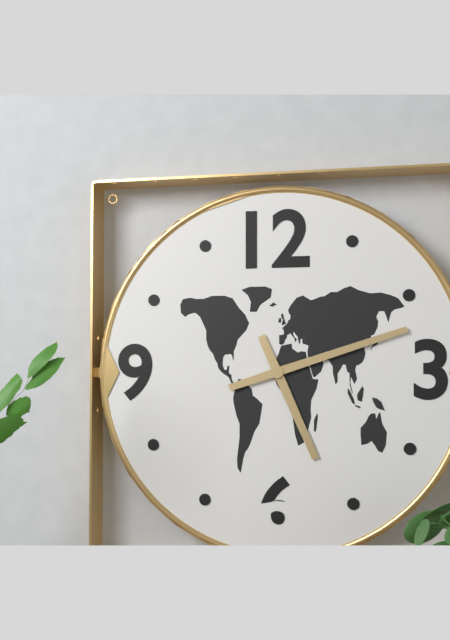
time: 5:12
